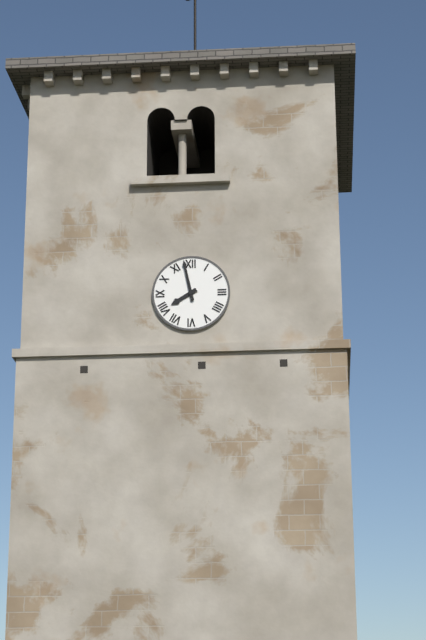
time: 7:58
